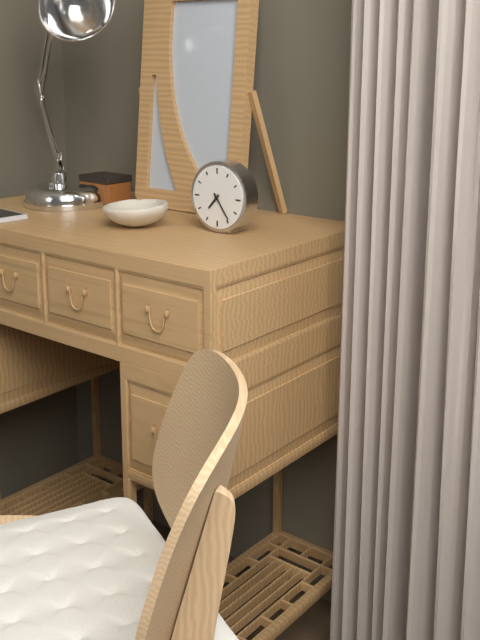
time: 7:24
